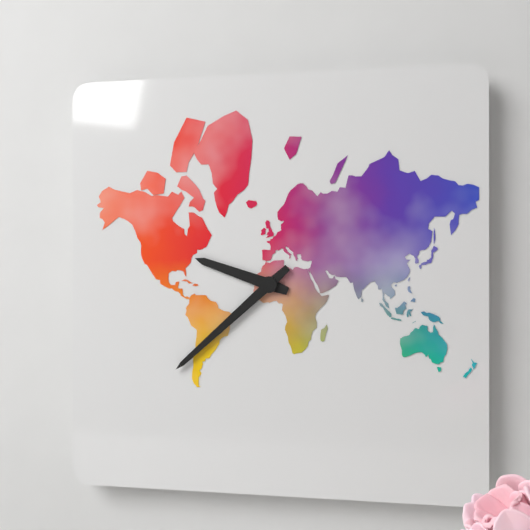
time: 9:38
